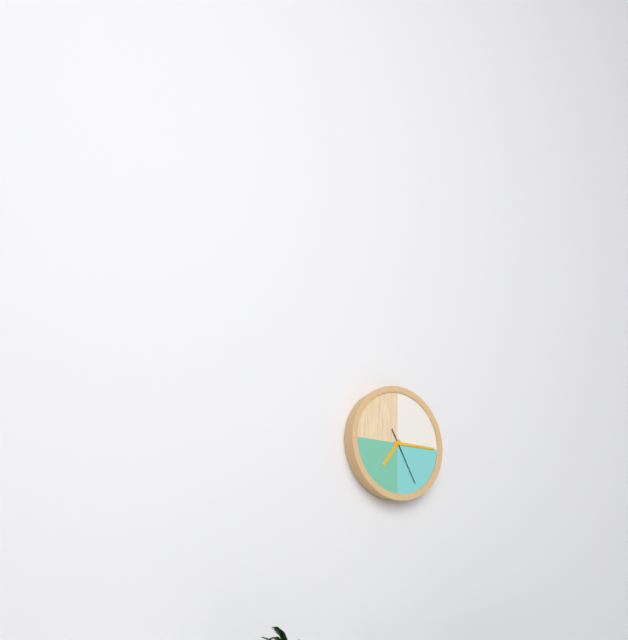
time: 7:15:25
